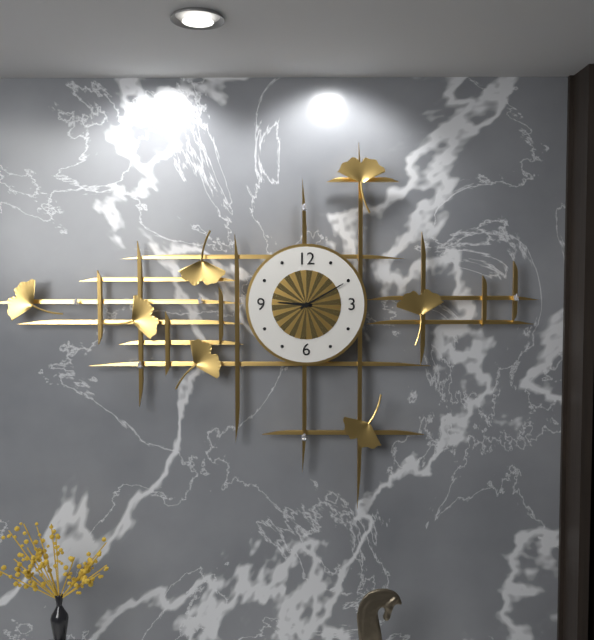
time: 9:10
